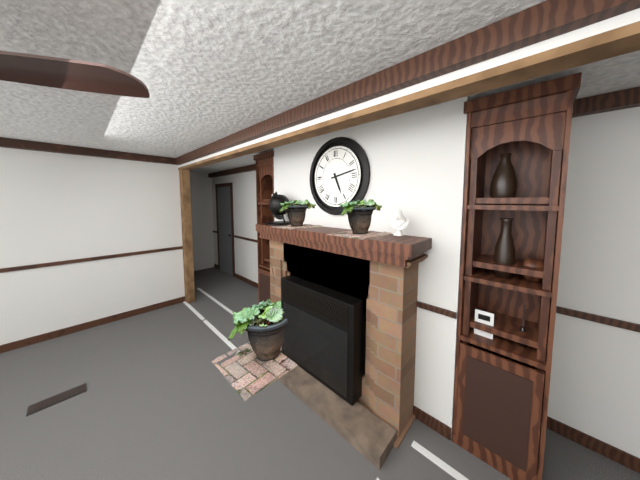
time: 5:13
